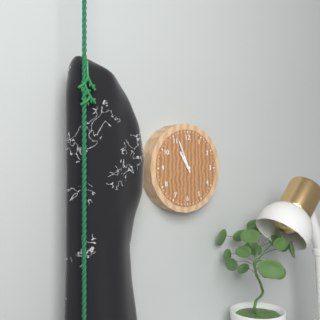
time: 10:56
